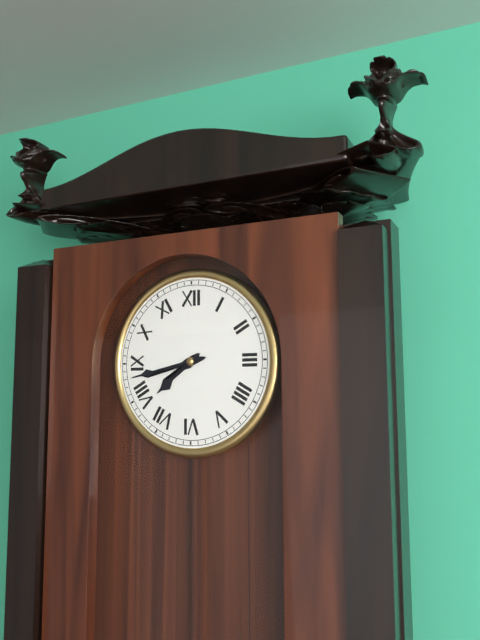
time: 7:43
